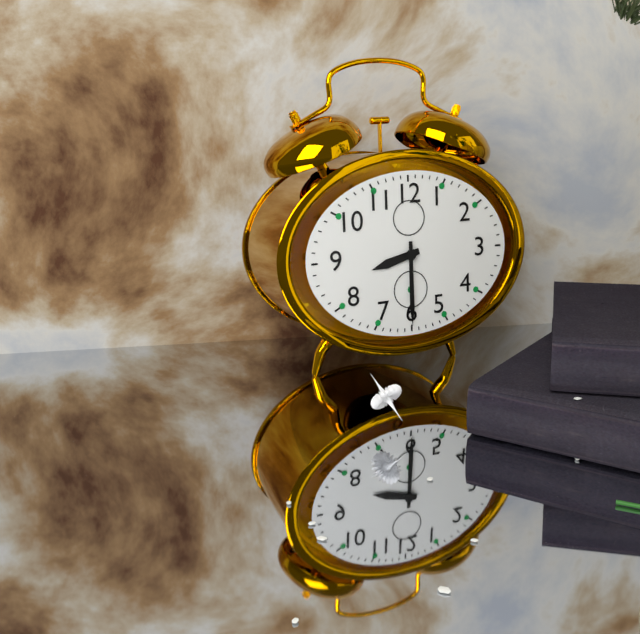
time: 8:30
